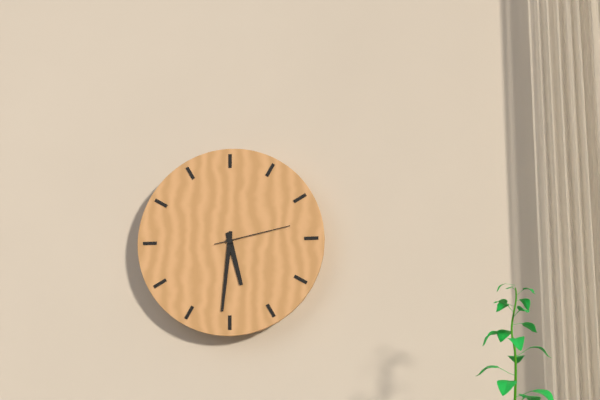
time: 5:31:13
